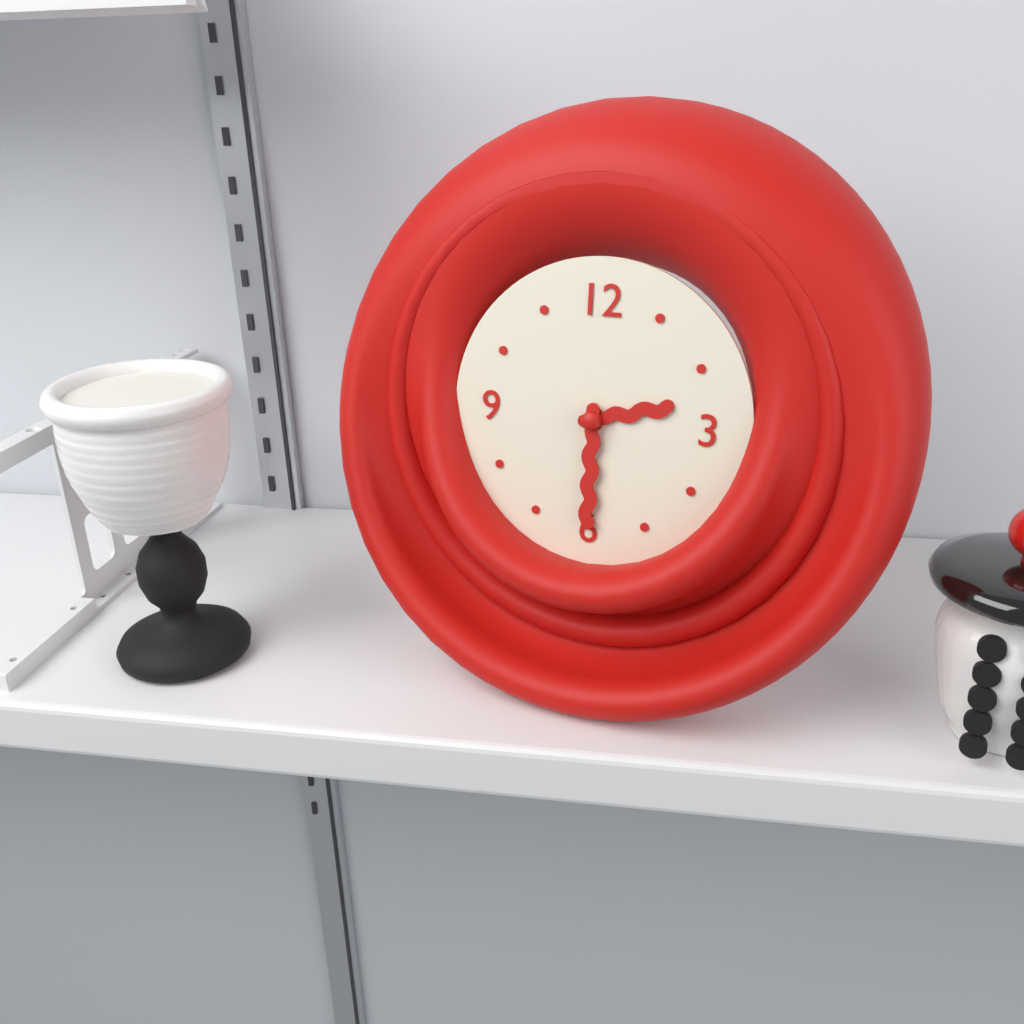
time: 2:30
